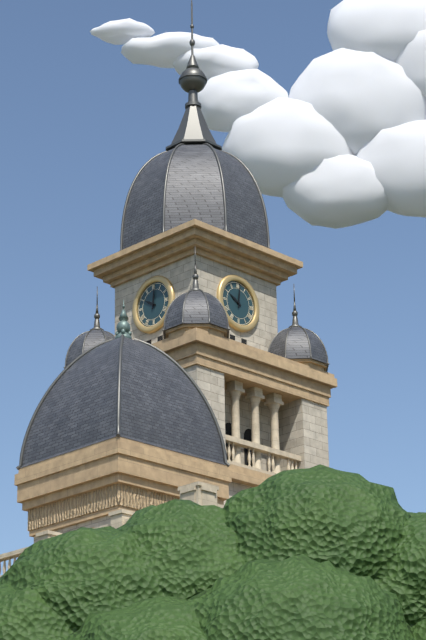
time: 10:01
